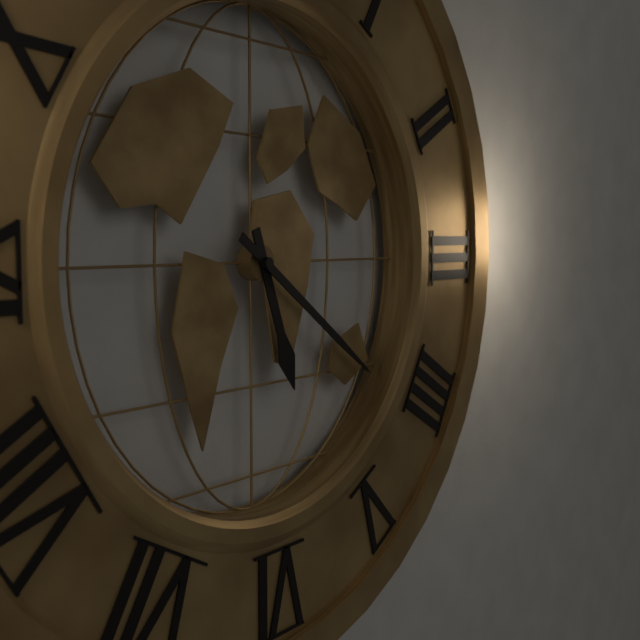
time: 5:21
